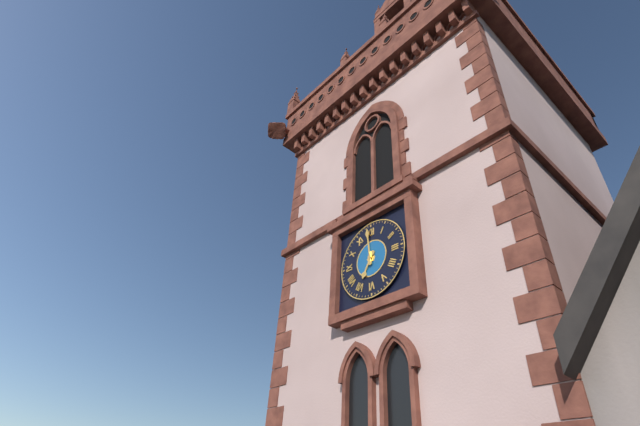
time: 6:59
